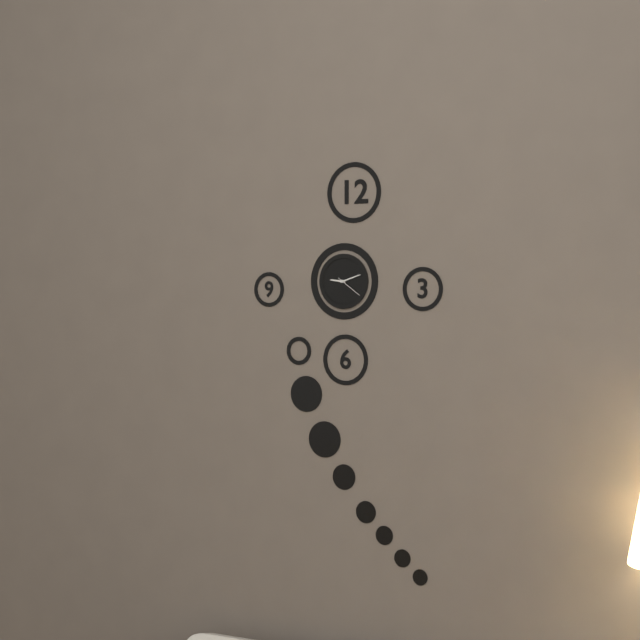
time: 9:12
